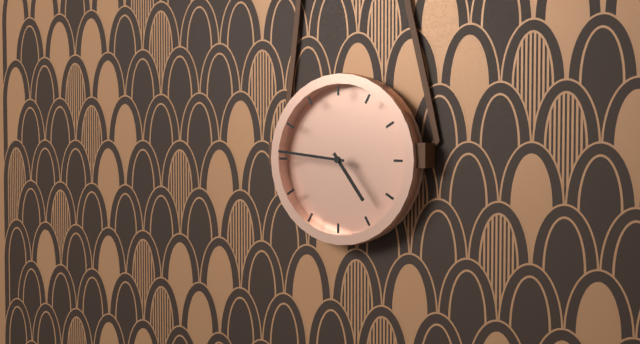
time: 4:46
